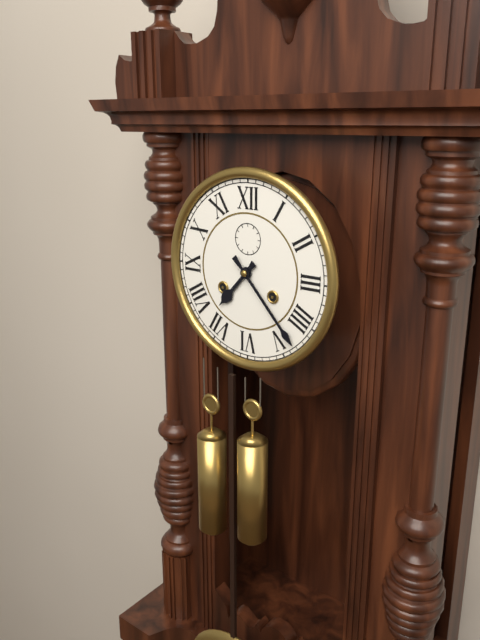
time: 7:23
